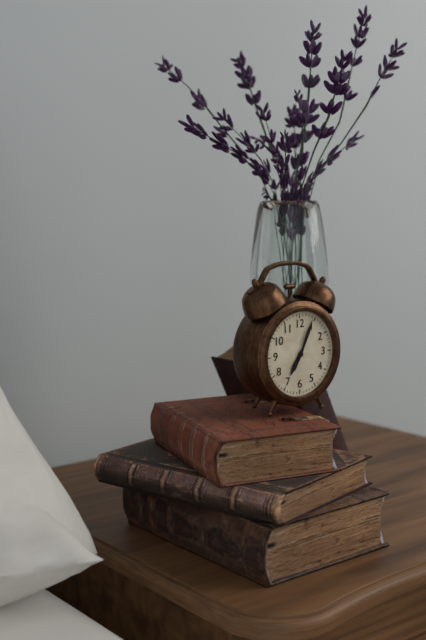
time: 7:04
